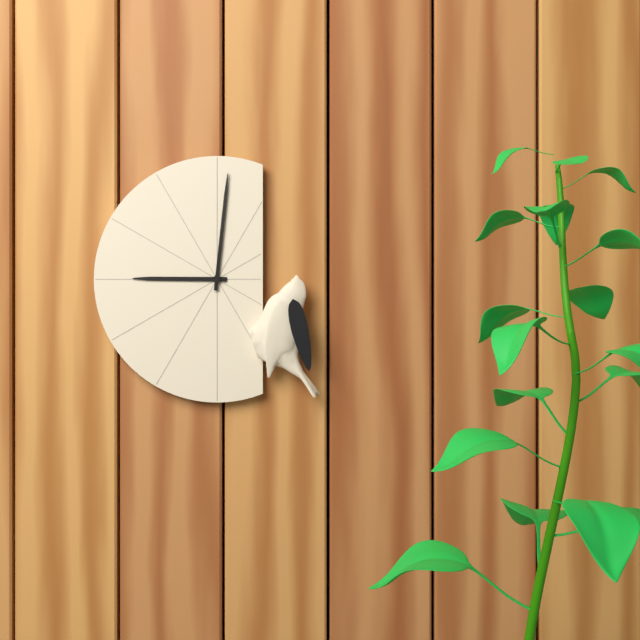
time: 9:01
